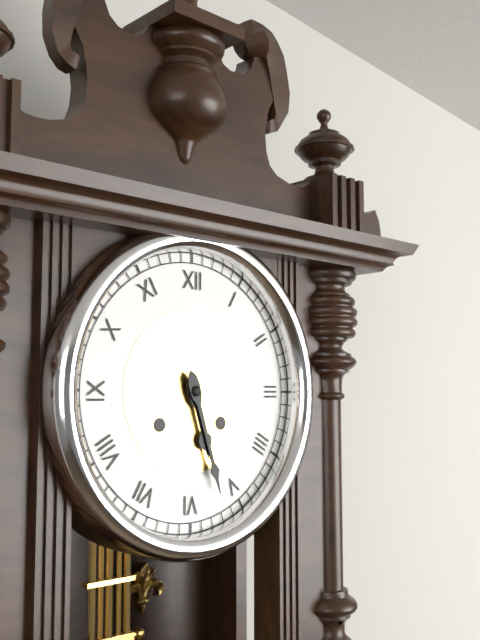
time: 5:27
